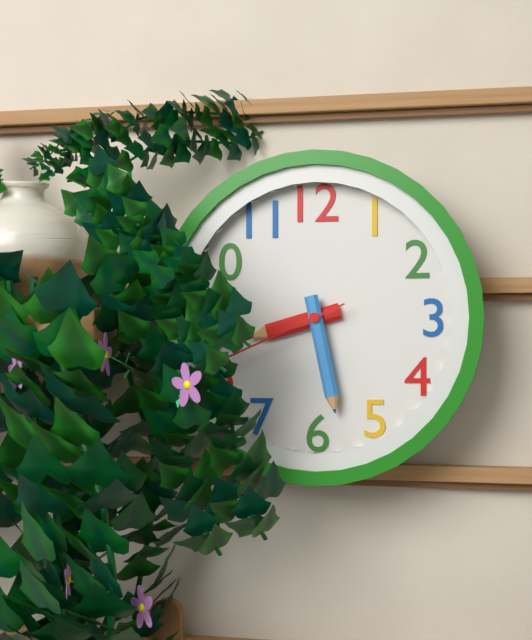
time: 8:28:41
